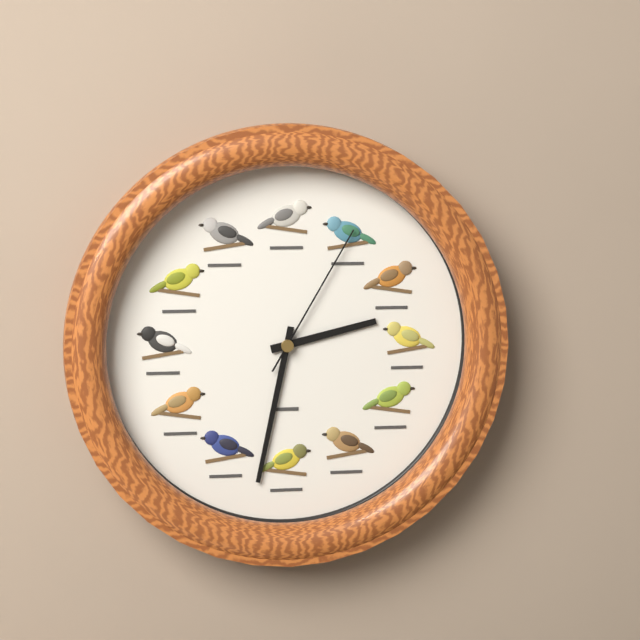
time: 2:32:05
